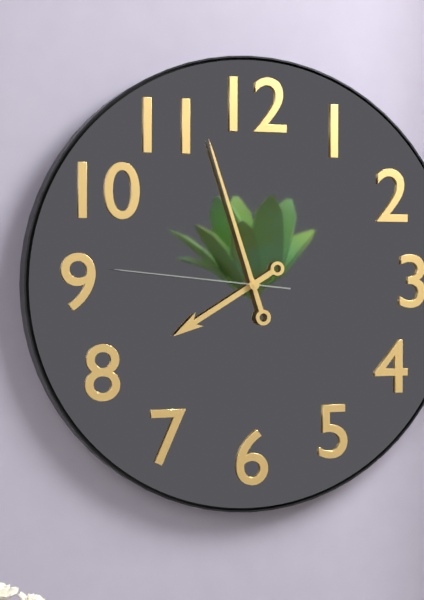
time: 7:57:46
